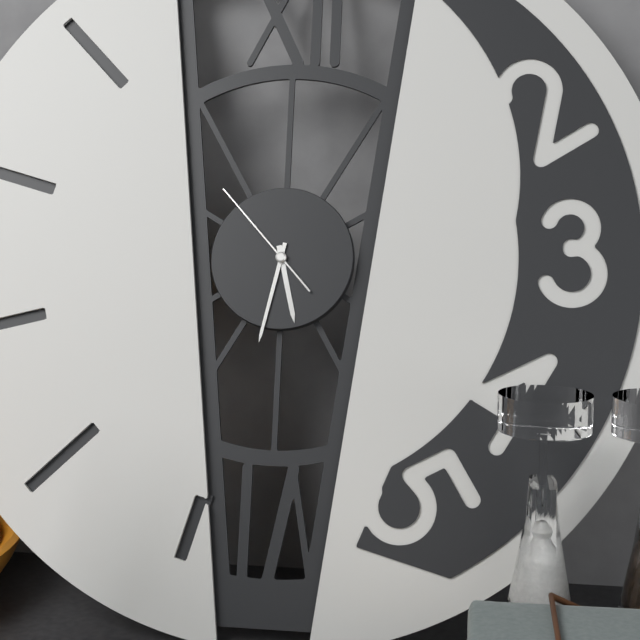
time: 5:32:53
